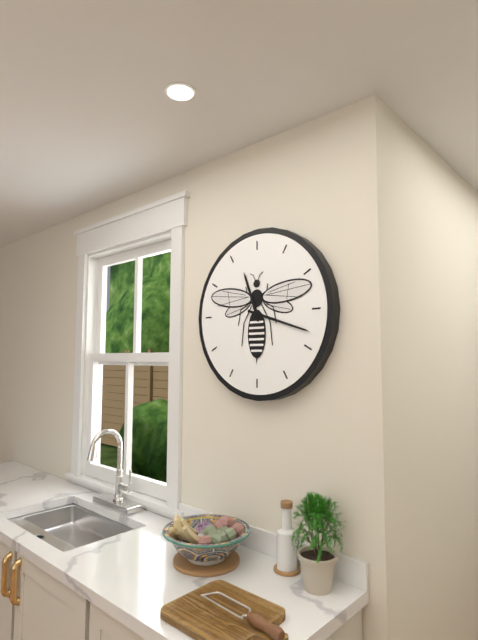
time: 11:18
